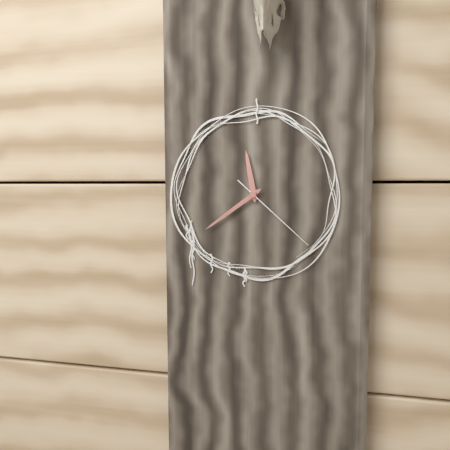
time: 11:39:22
